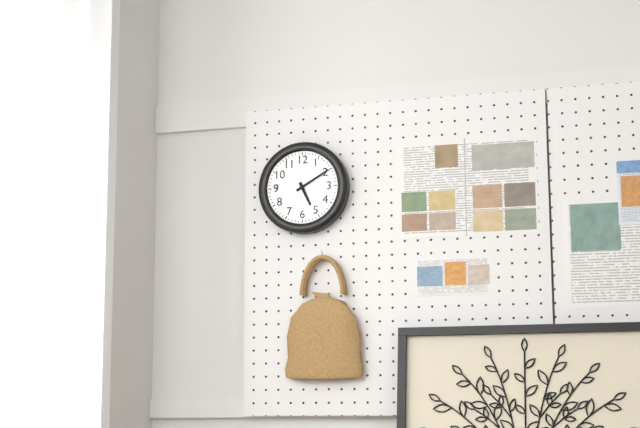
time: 5:10
